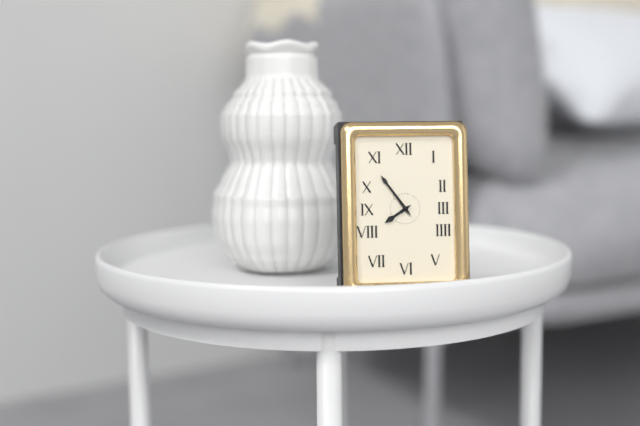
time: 7:54
